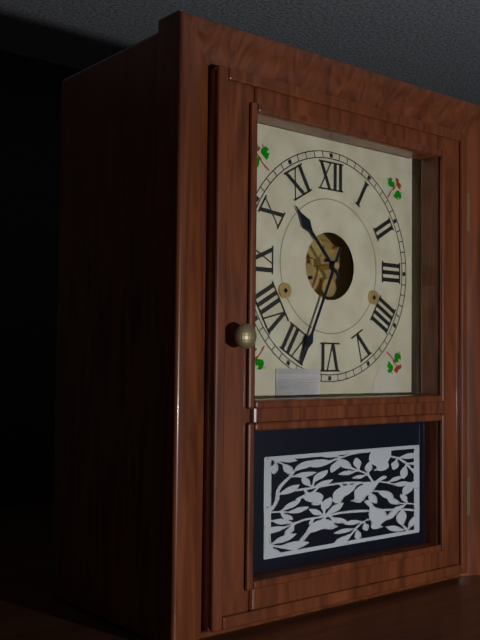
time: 10:34
